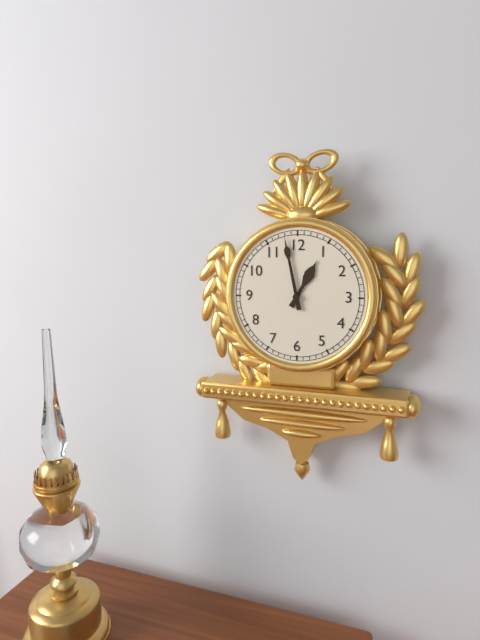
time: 12:58
